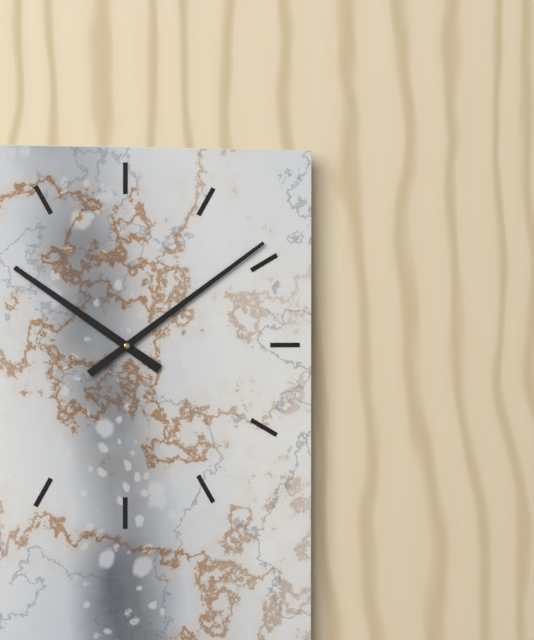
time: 10:09
